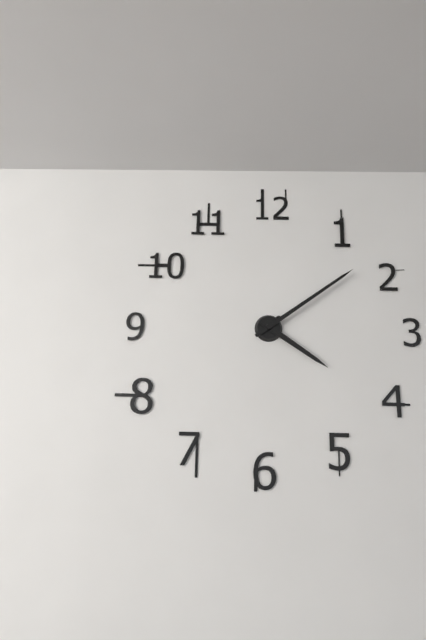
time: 4:09
